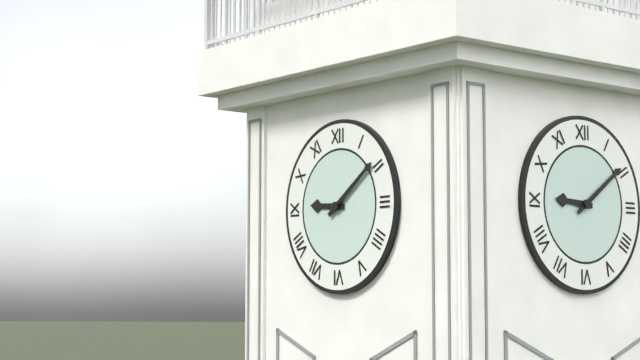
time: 9:09
